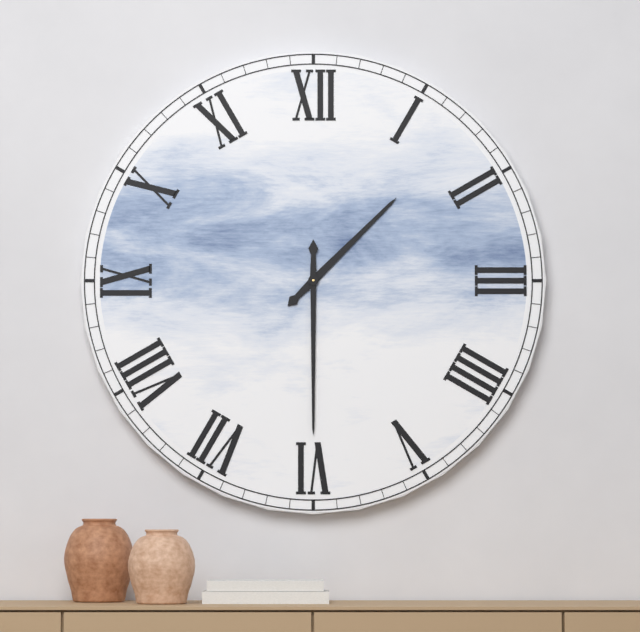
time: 1:30
